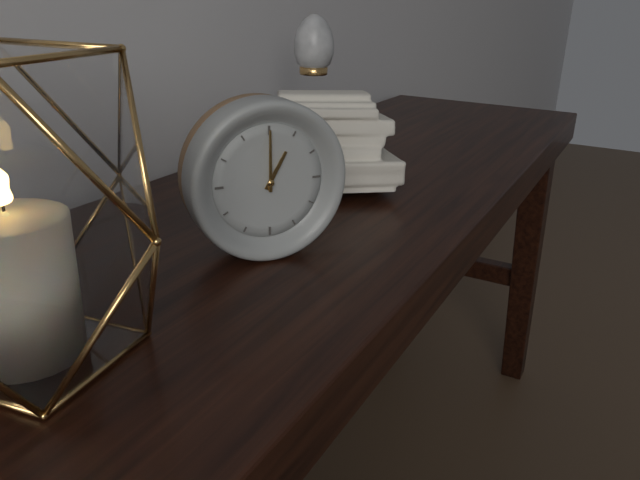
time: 1:00
